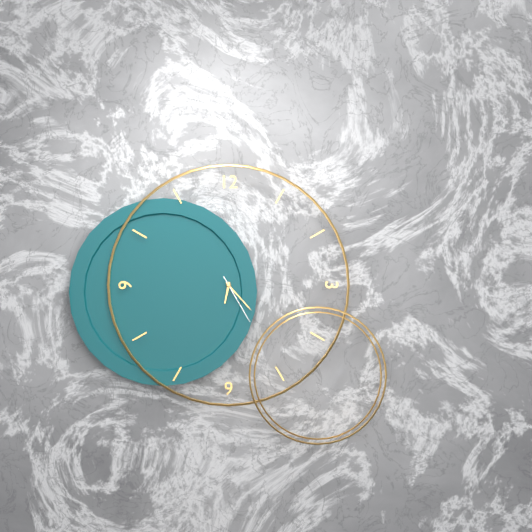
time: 6:23:25
